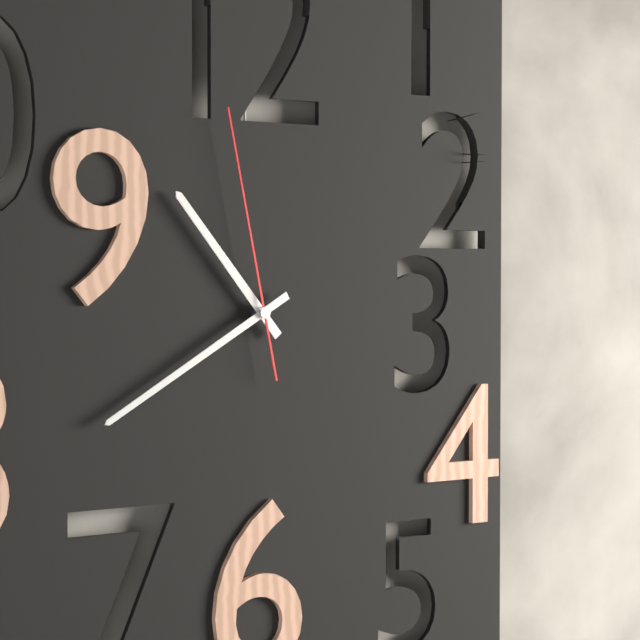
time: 10:40:58
